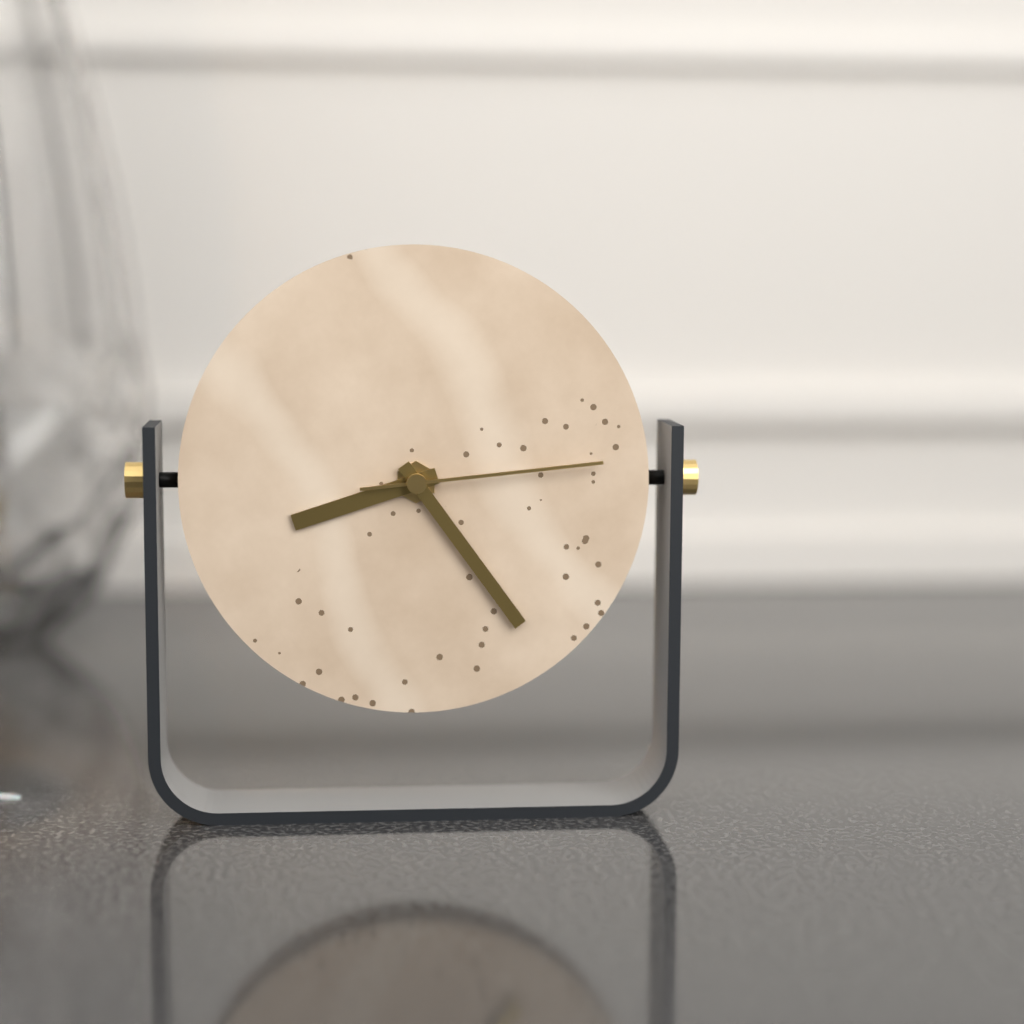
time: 8:24:14
